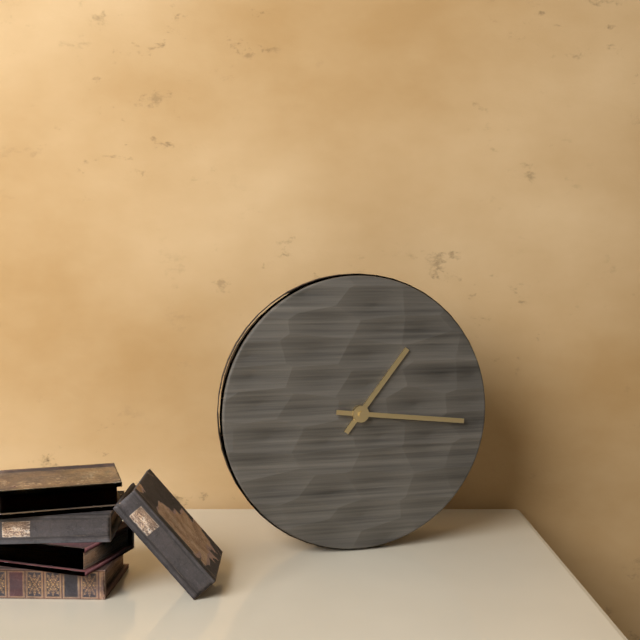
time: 1:16
